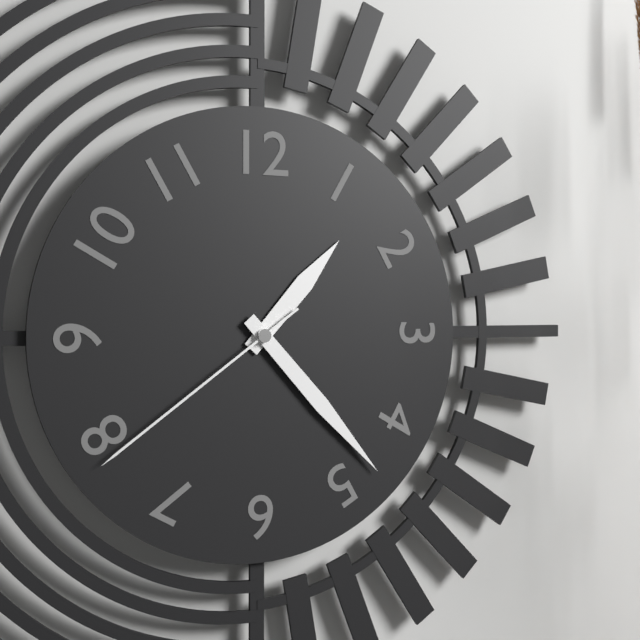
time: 1:23:39
